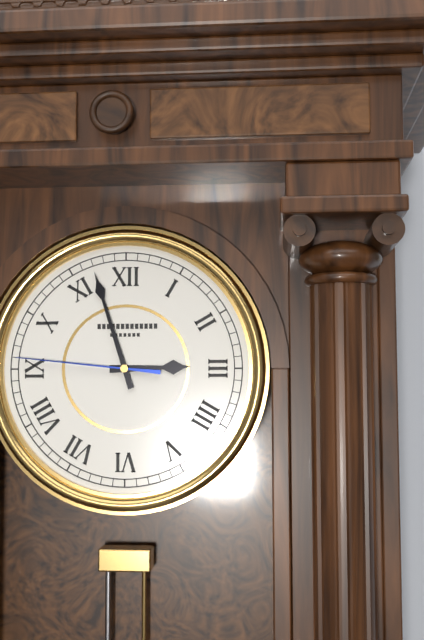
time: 2:57:46
